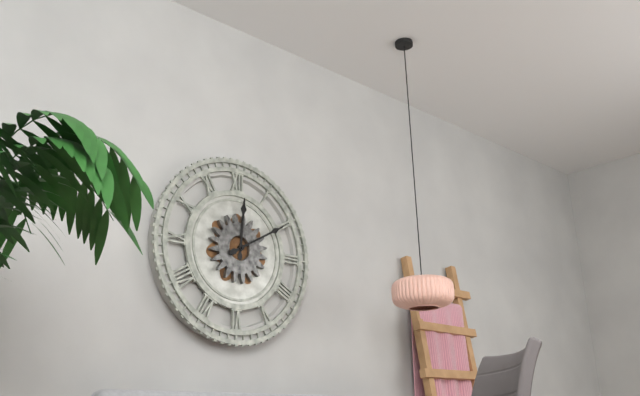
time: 12:10
